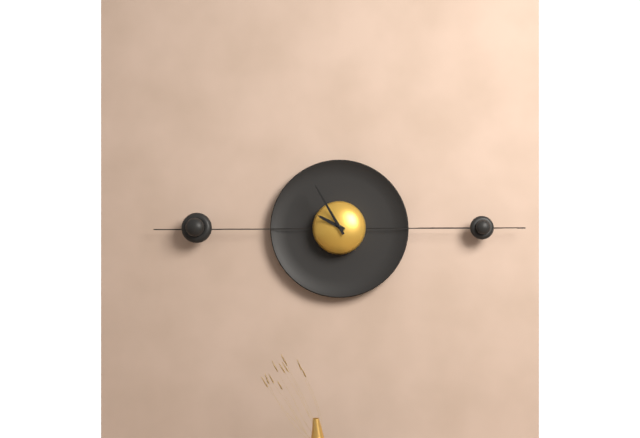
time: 9:55
